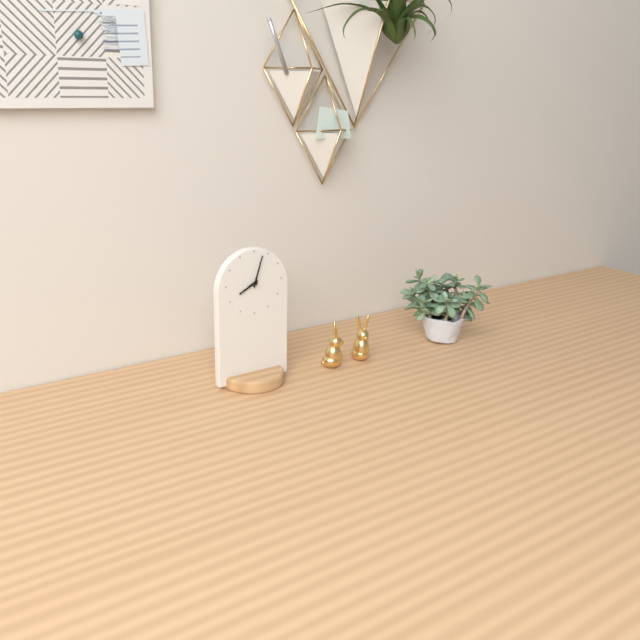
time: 8:03
